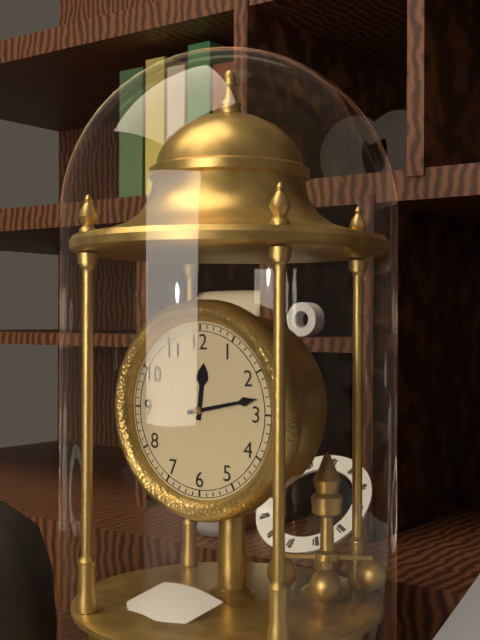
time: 12:13
